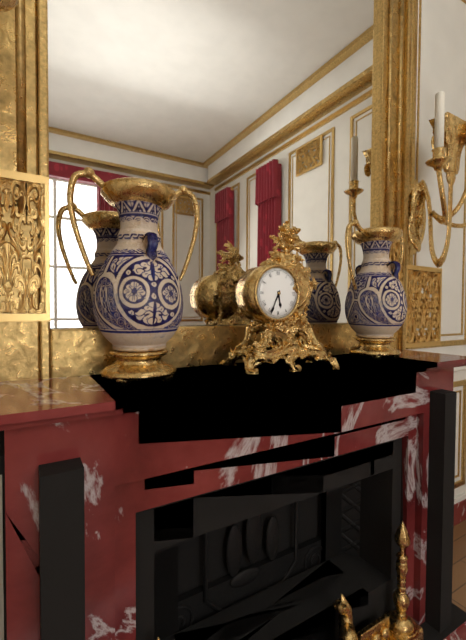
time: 5:34
